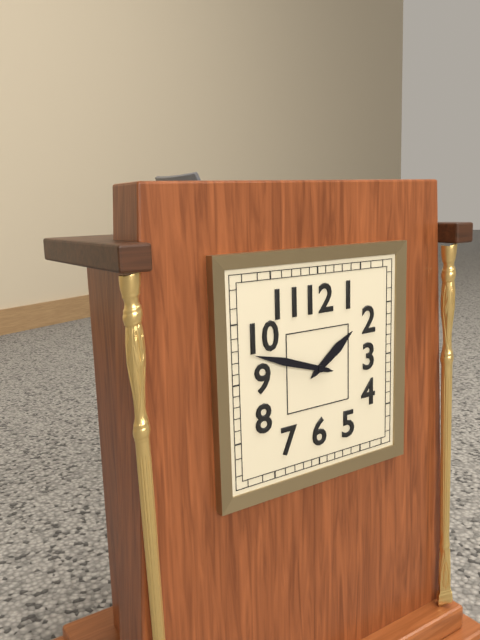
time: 1:48
